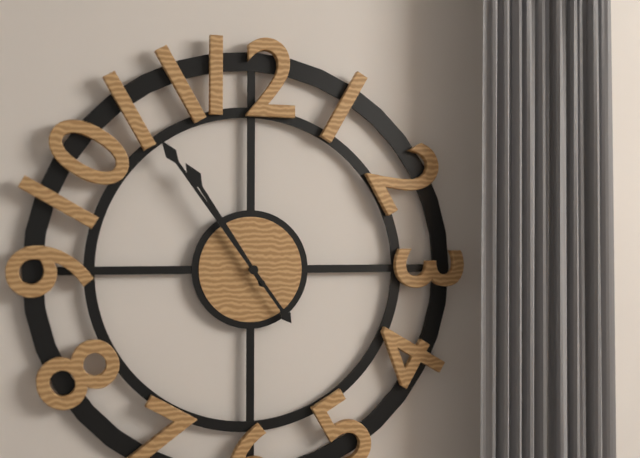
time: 10:54
